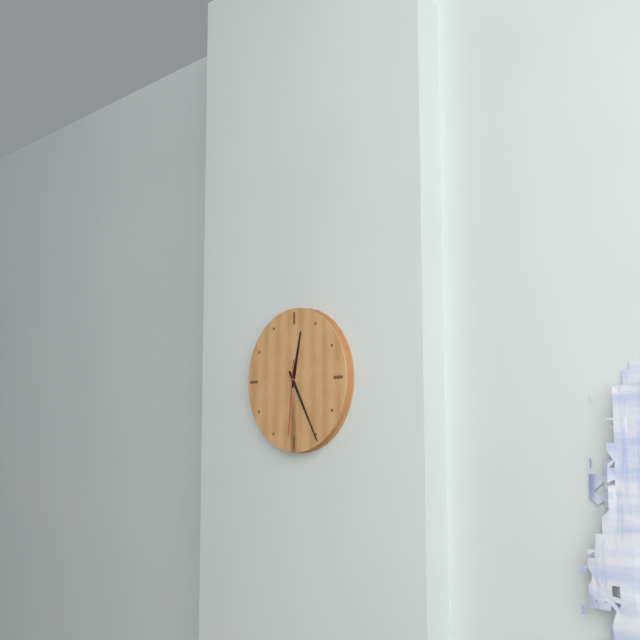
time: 12:25:31
